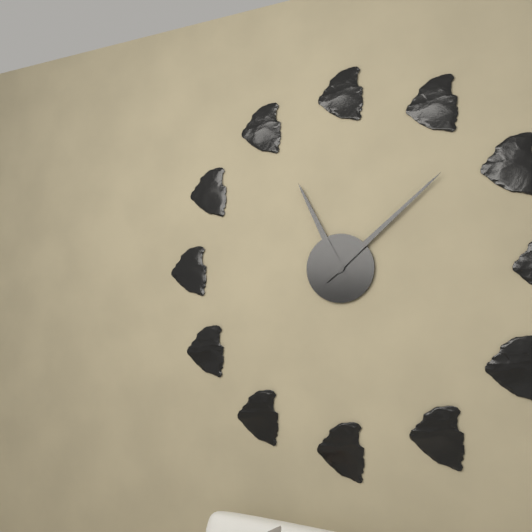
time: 11:08
